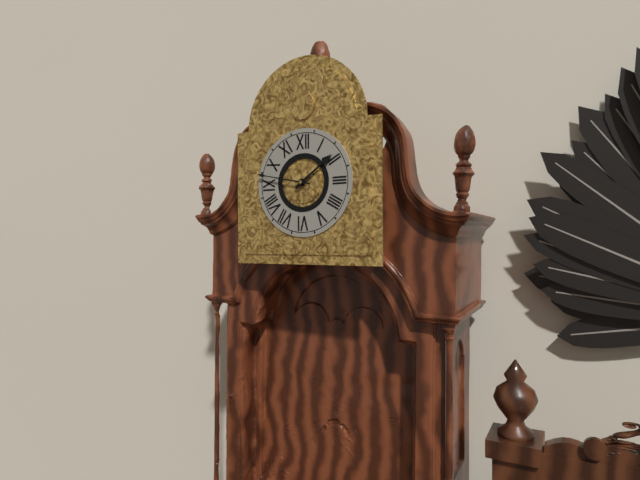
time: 1:47
